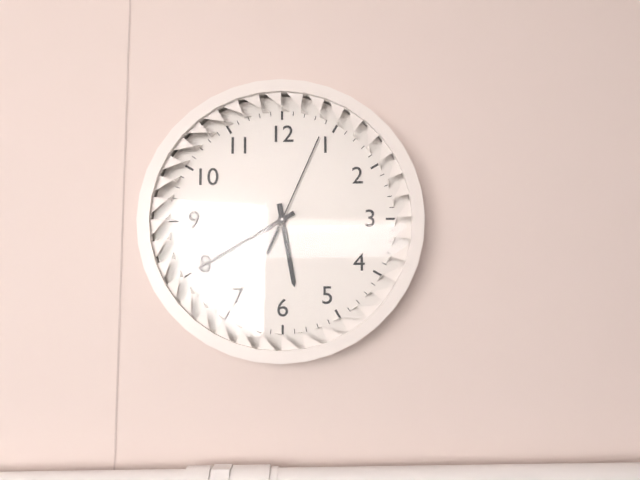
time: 5:40:04
